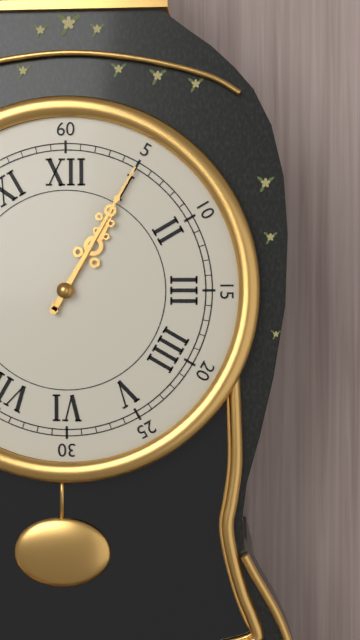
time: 1:05
